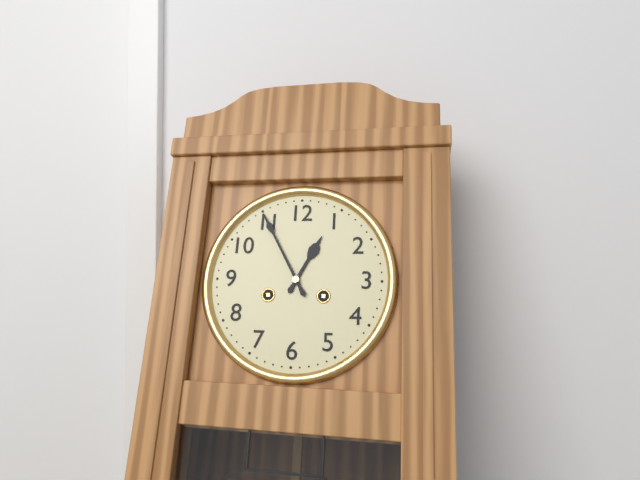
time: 12:55
